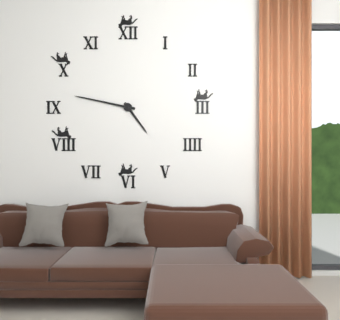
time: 4:47
